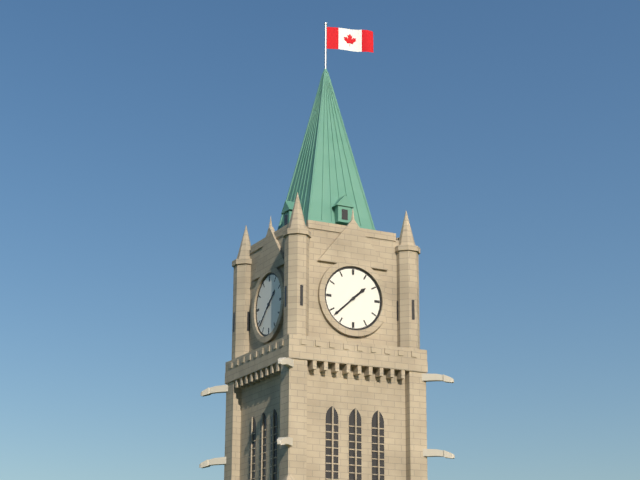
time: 1:38
